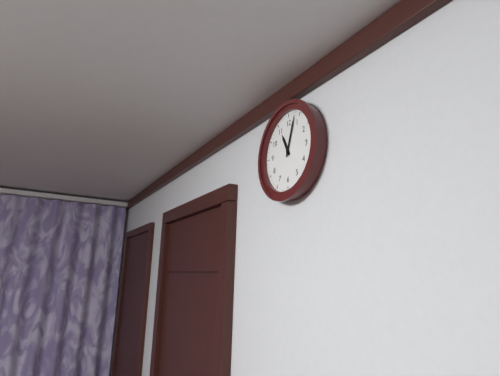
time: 11:03
